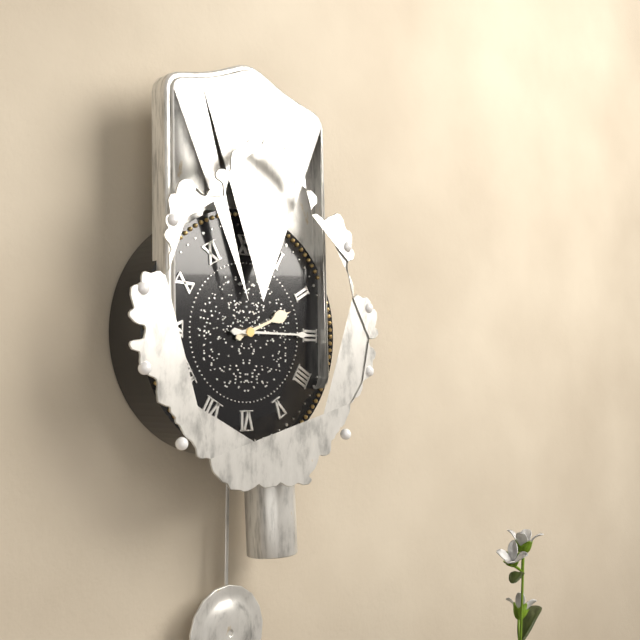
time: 2:15
